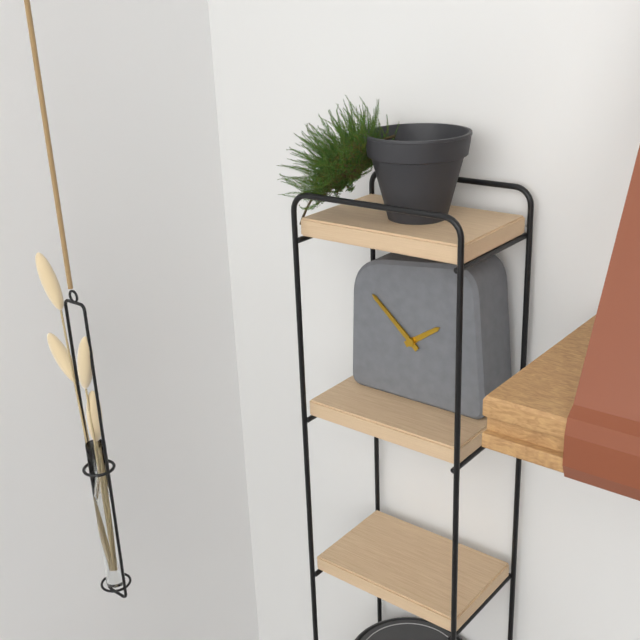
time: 1:52
